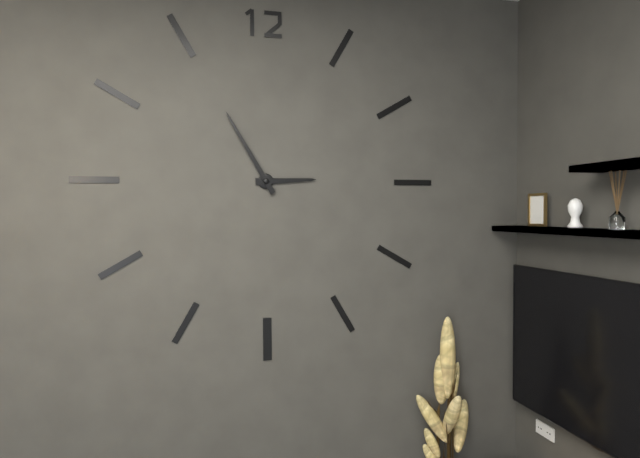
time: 2:55
